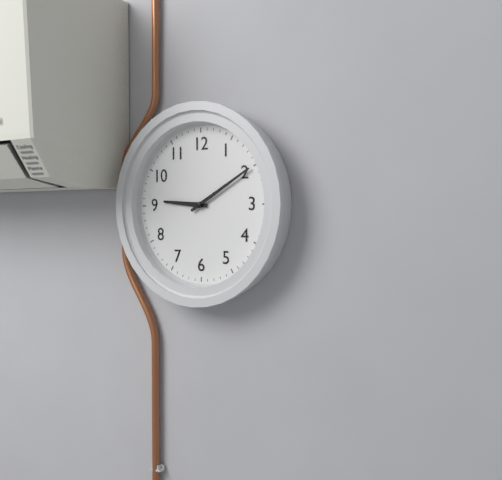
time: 9:10
